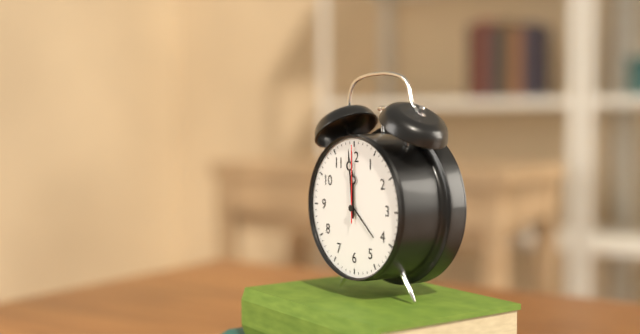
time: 11:59:00
